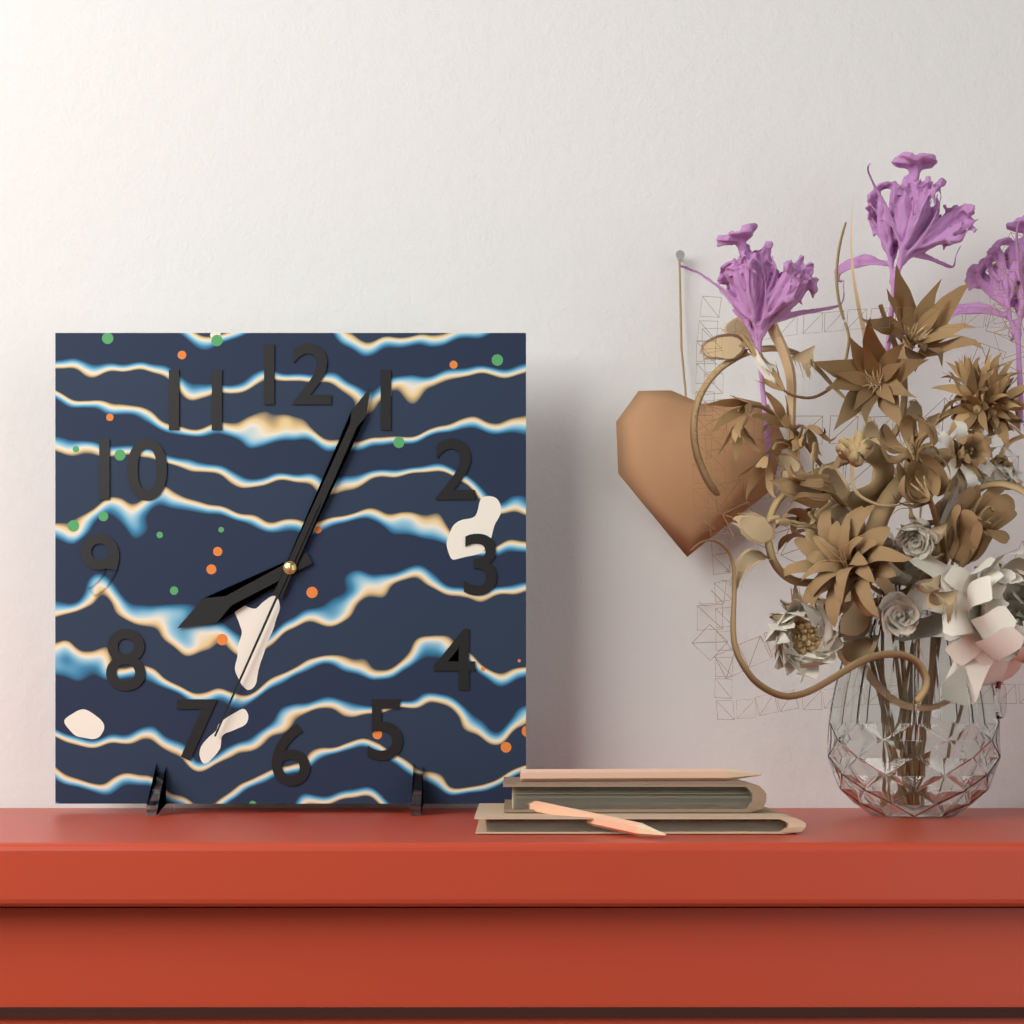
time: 8:04:34
